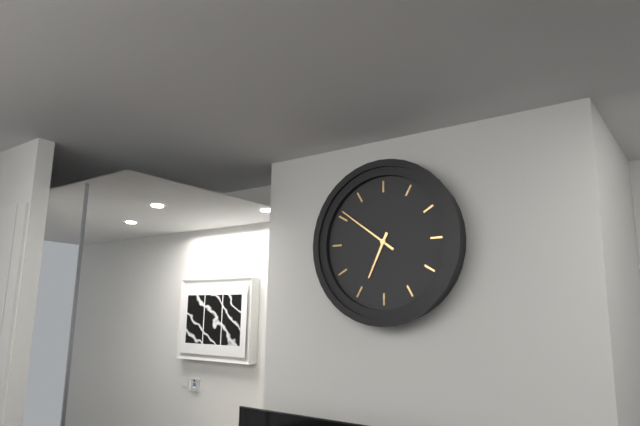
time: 6:51
